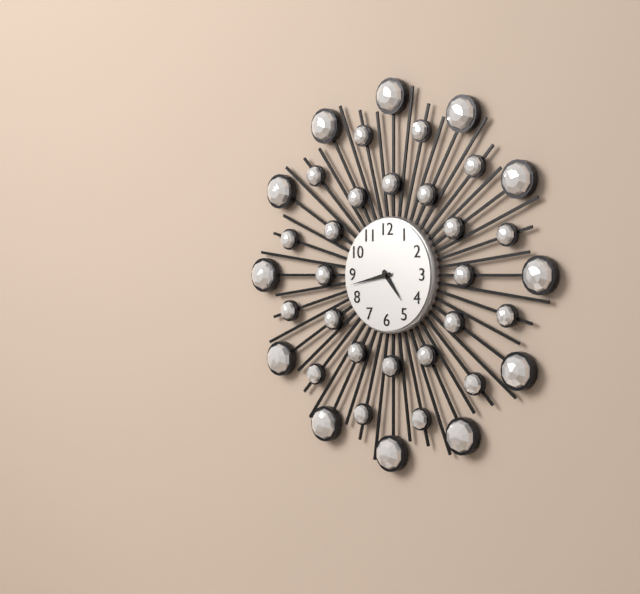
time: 4:43
